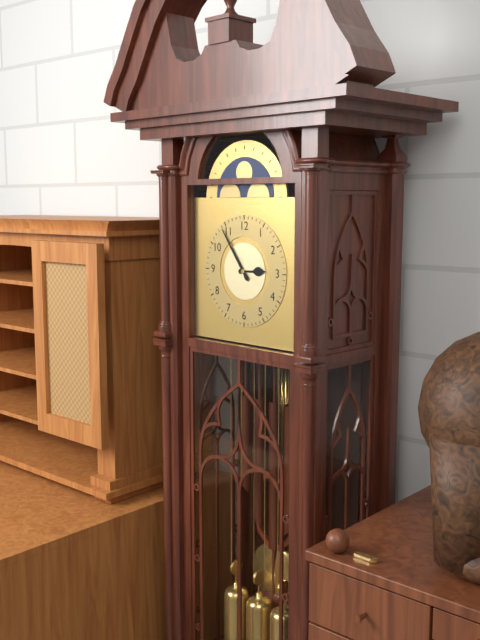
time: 2:54
